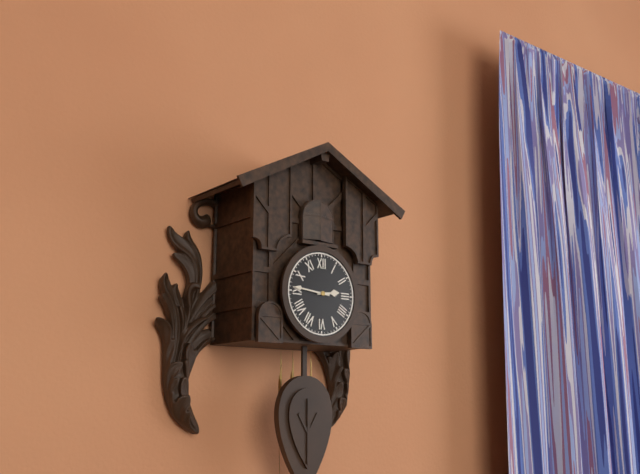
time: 2:46
